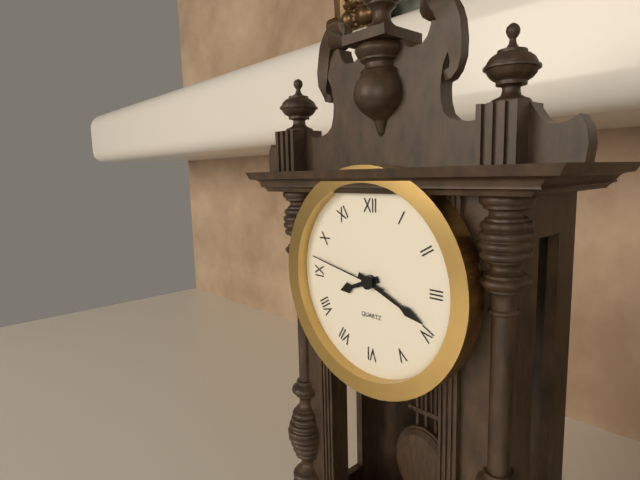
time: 8:19:47
